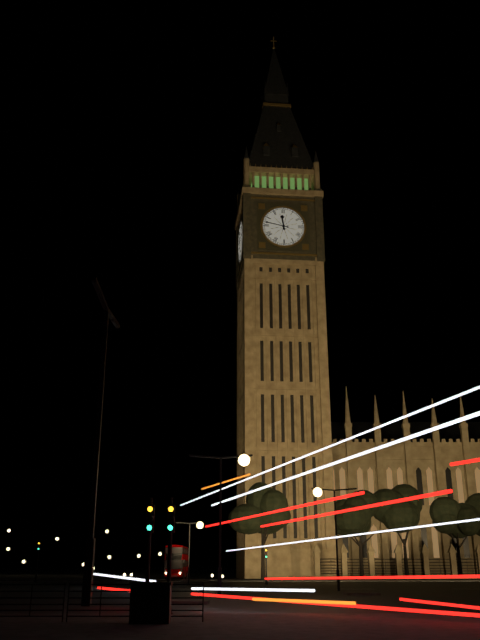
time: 11:47
